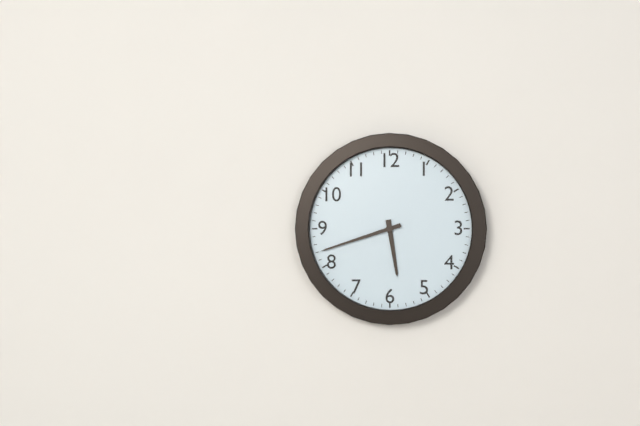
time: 5:42
